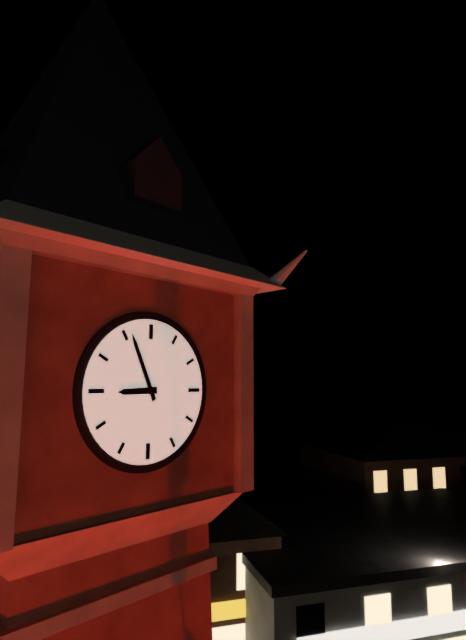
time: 8:56
